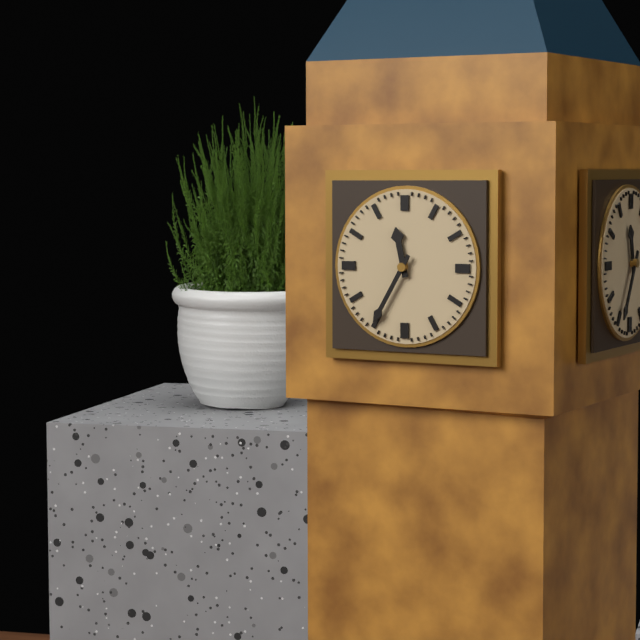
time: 11:35
